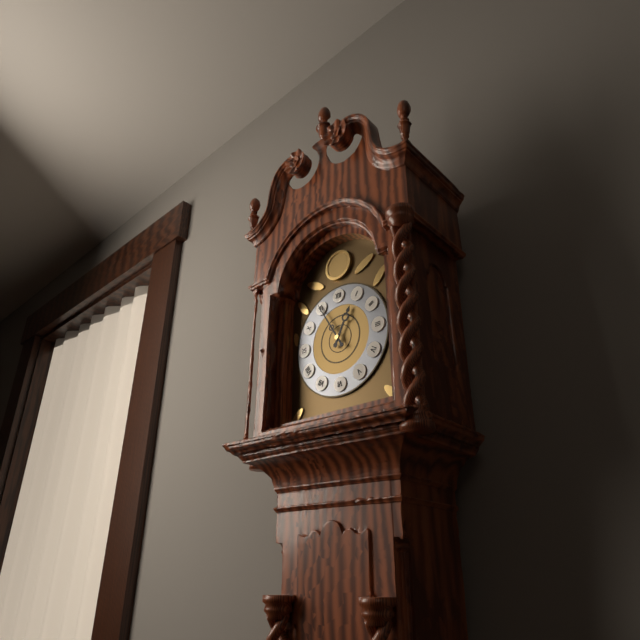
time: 12:55
